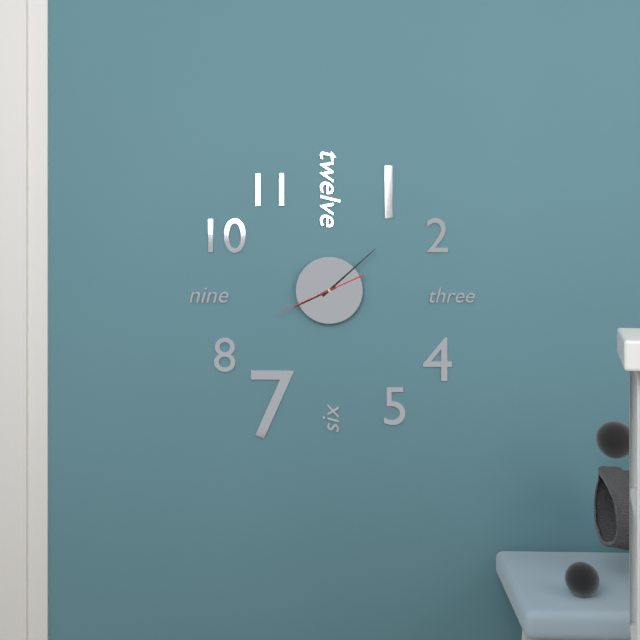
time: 8:08:41
